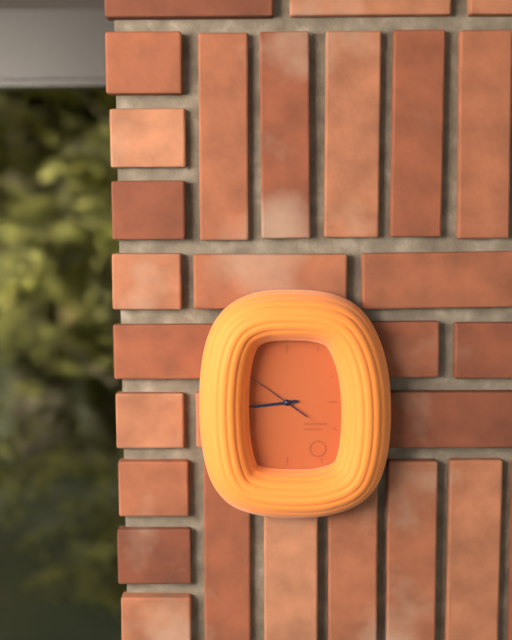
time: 8:44:51
